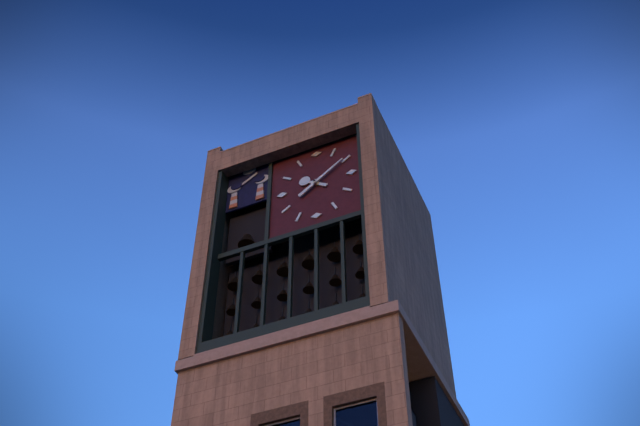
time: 10:09
